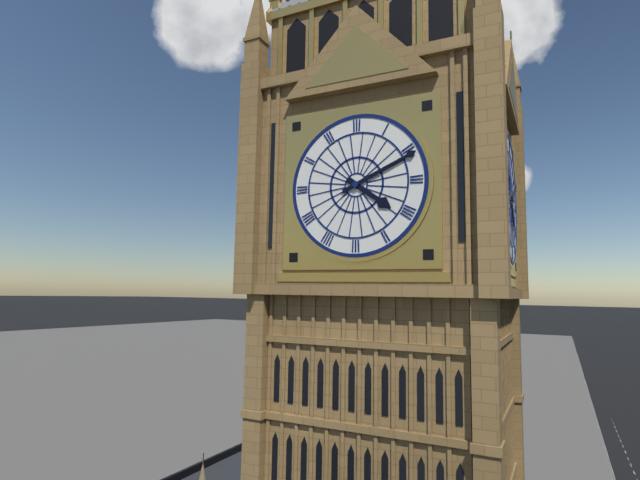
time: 4:11
